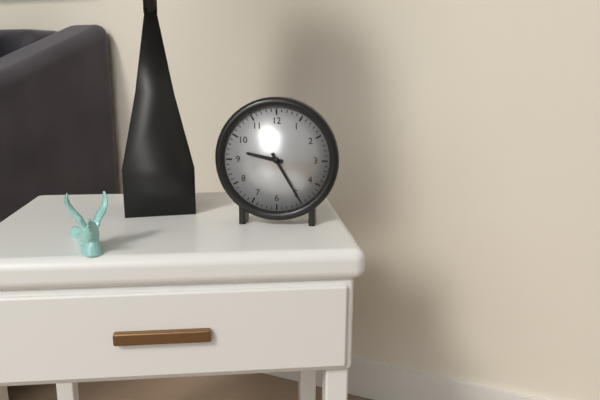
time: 9:25
